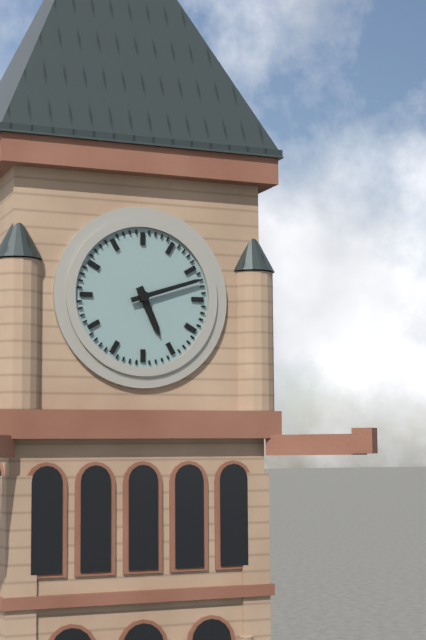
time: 5:12
